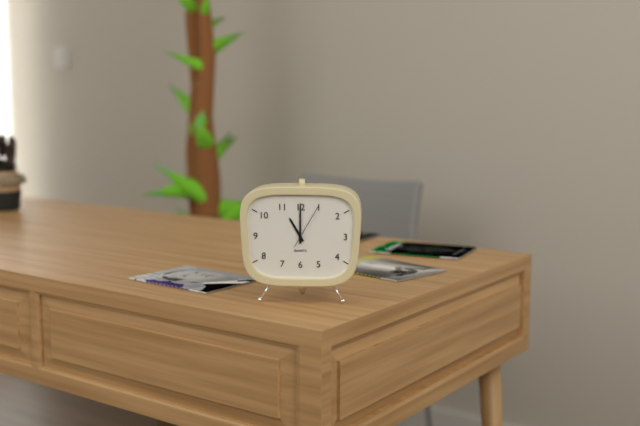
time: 11:00
